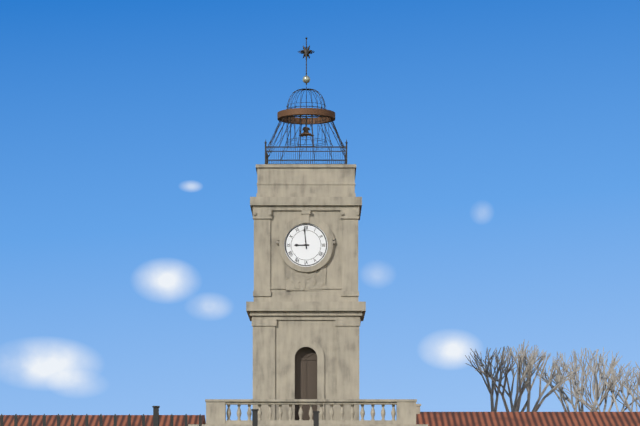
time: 8:59
